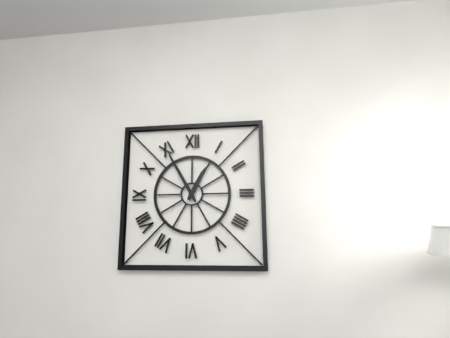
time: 12:55
